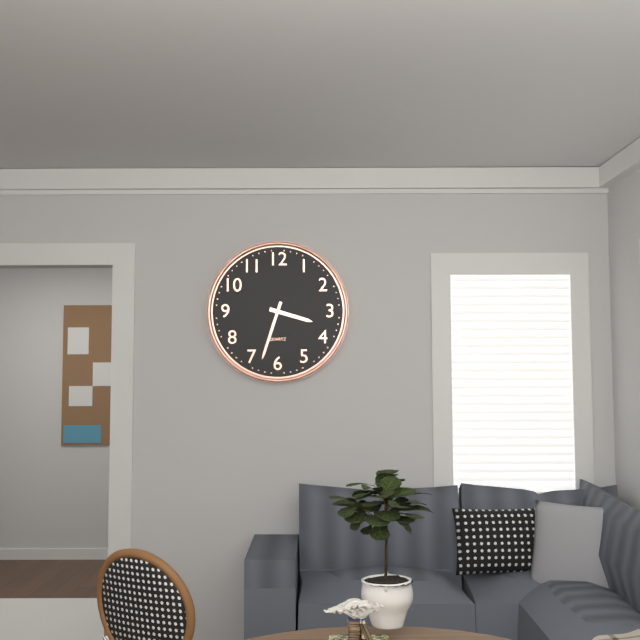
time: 3:33
